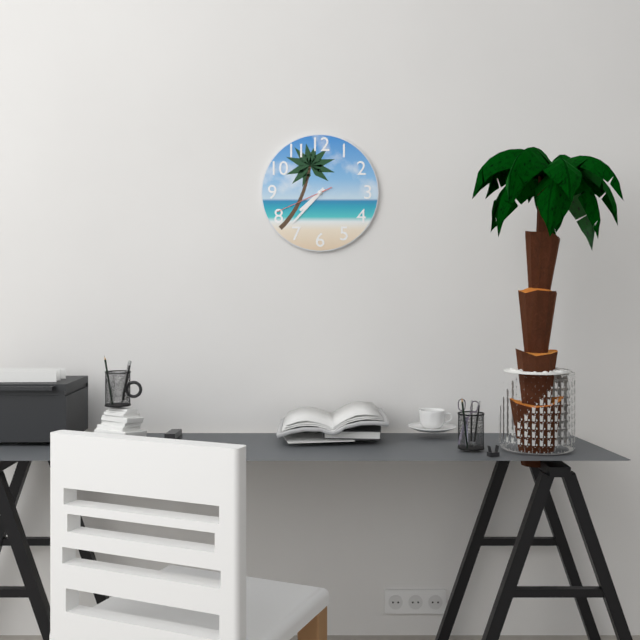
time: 7:37:41
